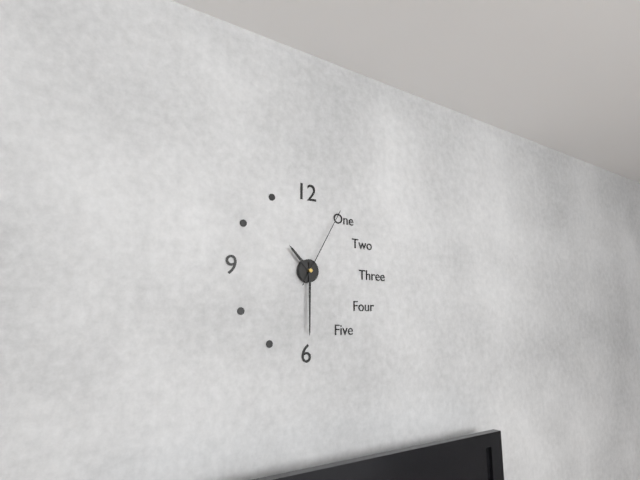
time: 10:30:05
